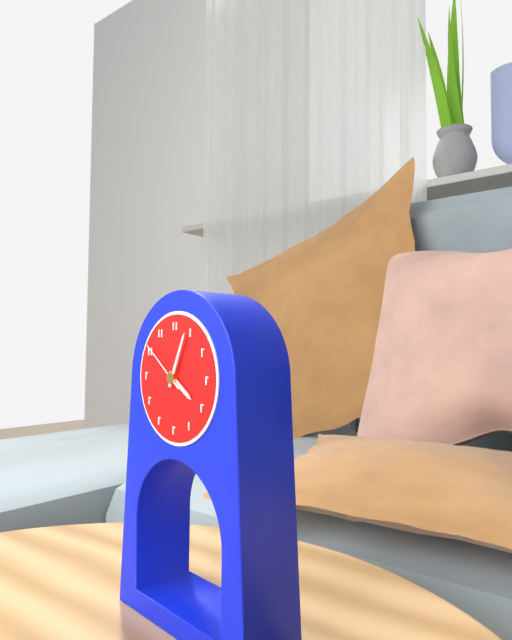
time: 4:04:51
